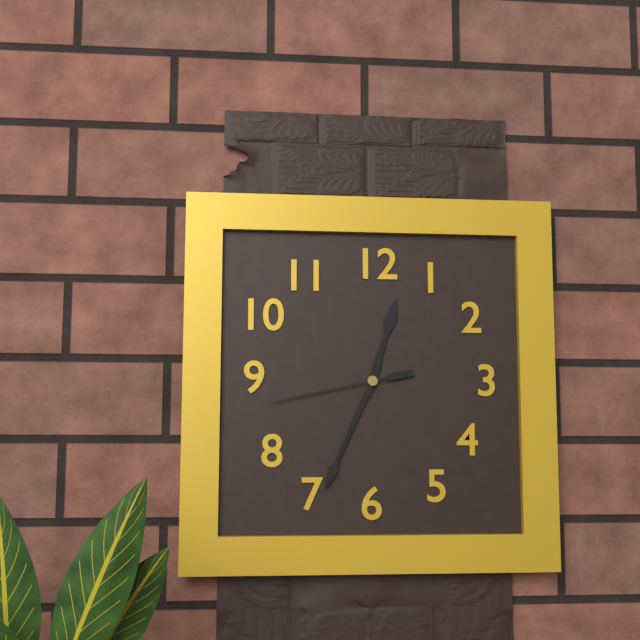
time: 12:34:43
